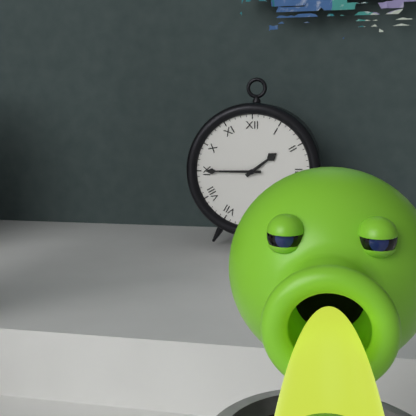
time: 1:45
